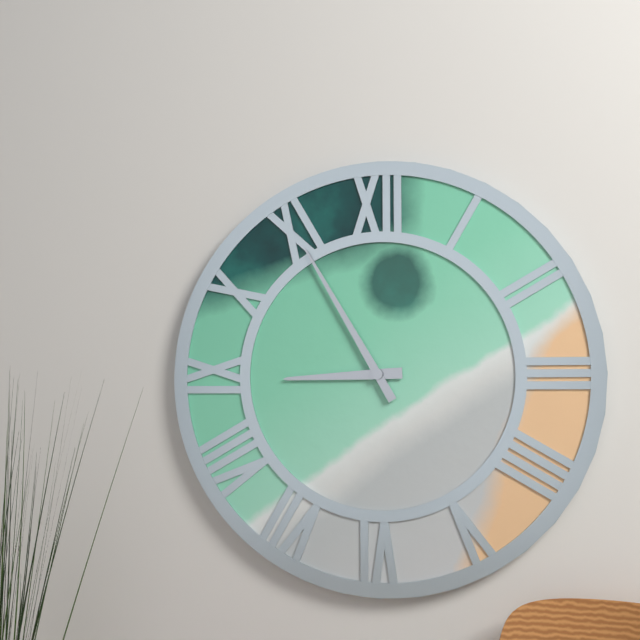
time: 8:55
